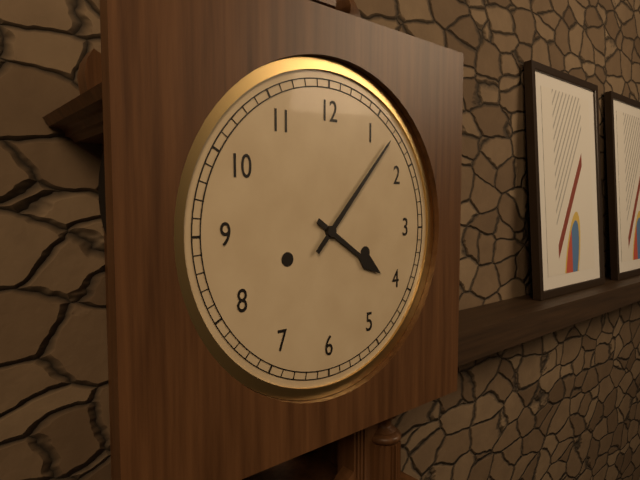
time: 4:07
